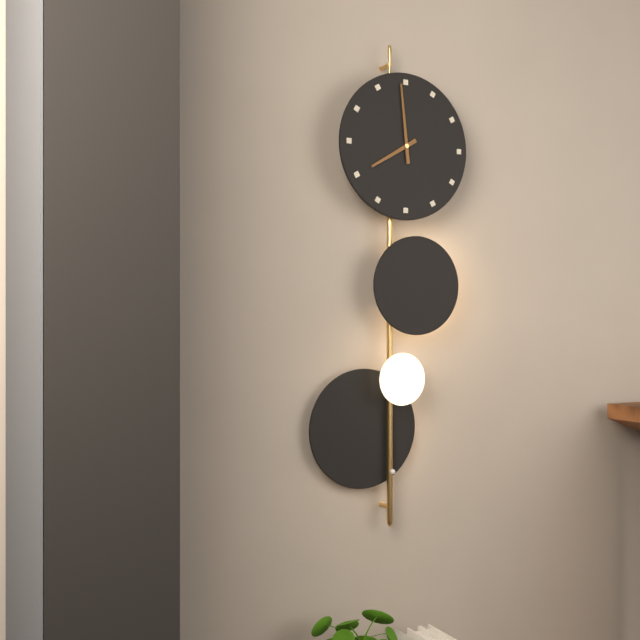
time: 7:59
